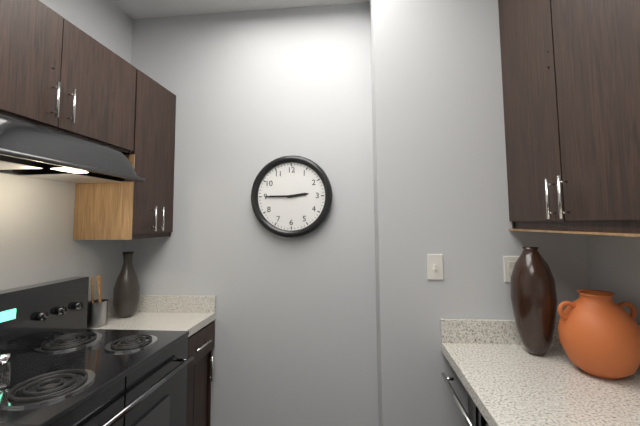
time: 2:45
